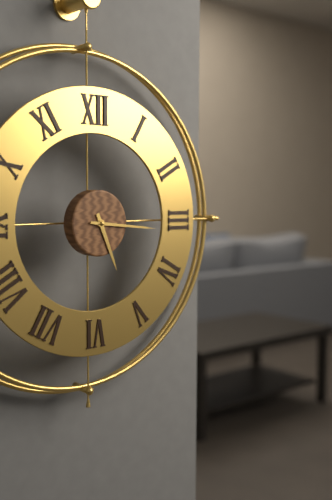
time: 5:16
